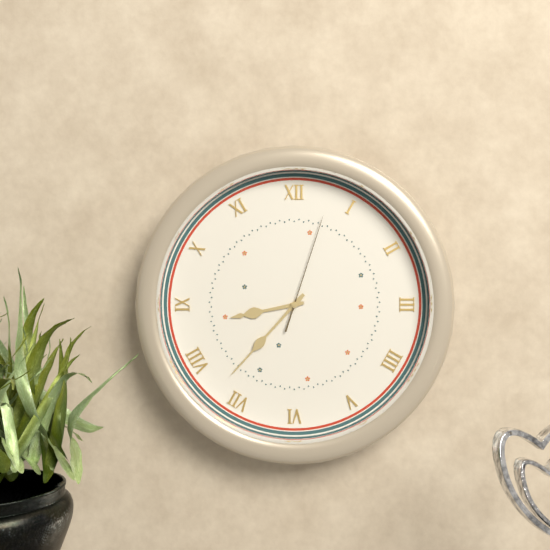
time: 8:37:03
